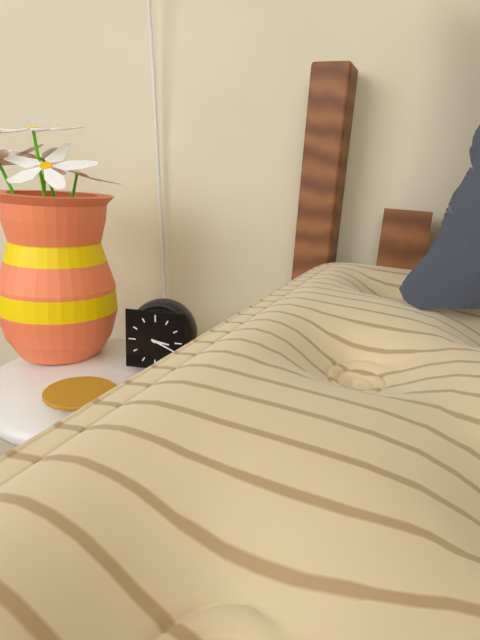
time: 3:19
